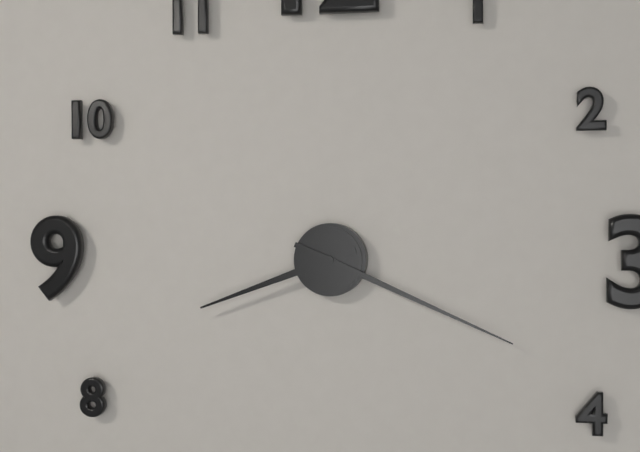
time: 8:19
